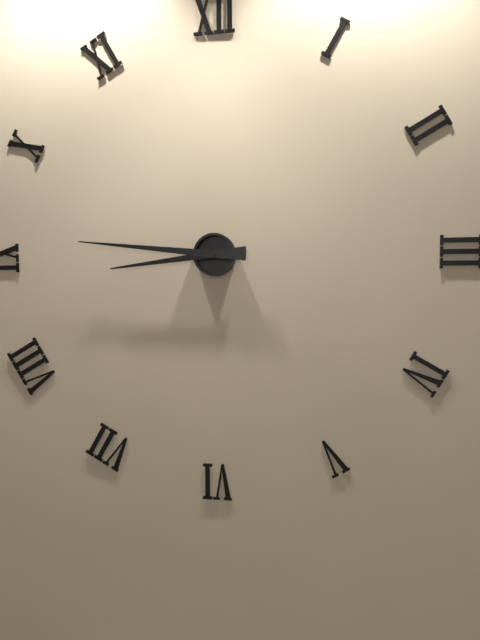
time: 8:46
